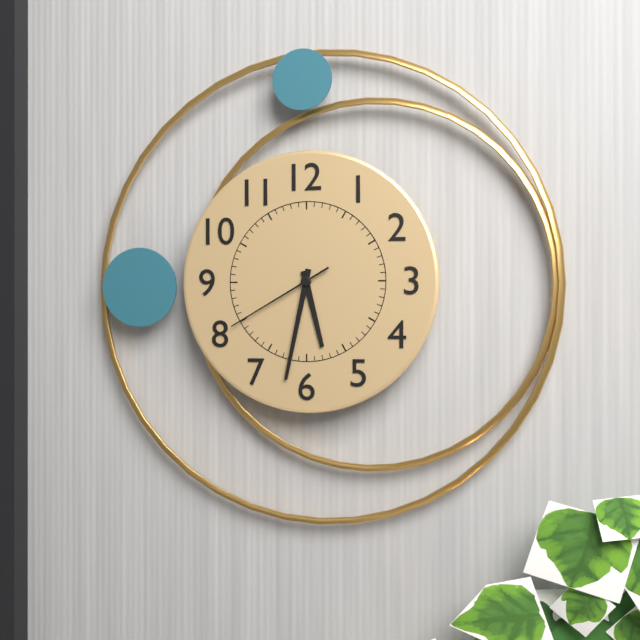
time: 5:32:40
